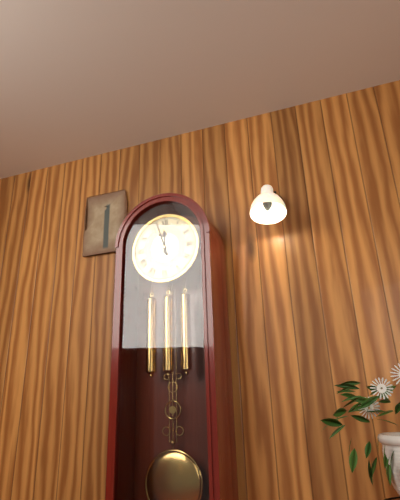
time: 11:57
